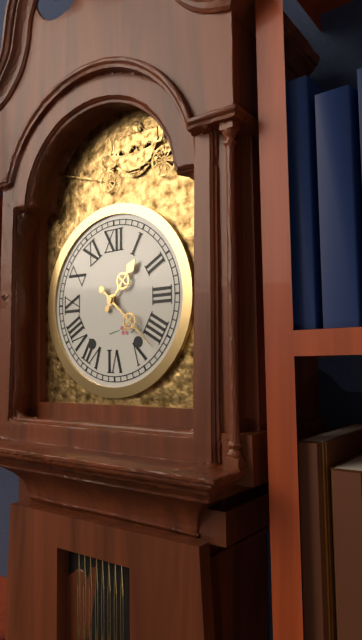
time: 1:22
